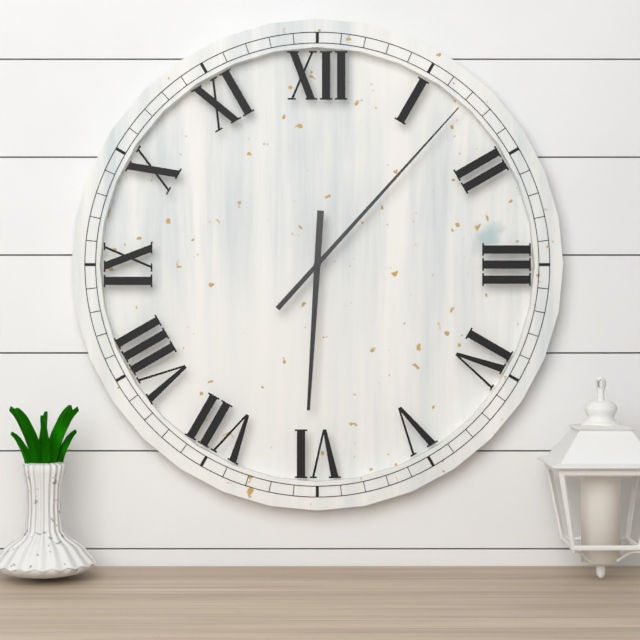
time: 6:07
